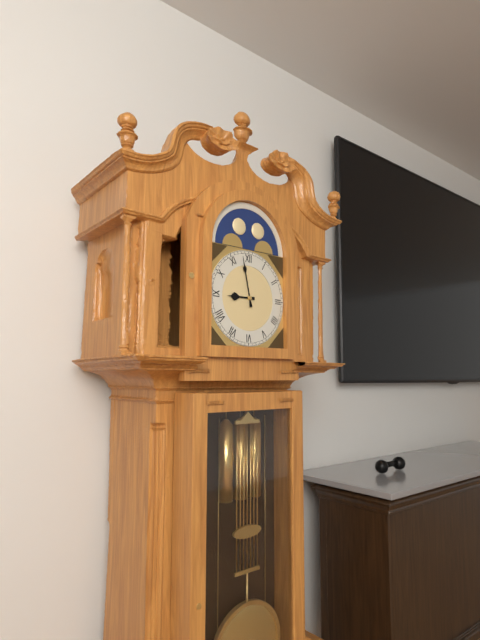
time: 8:58
